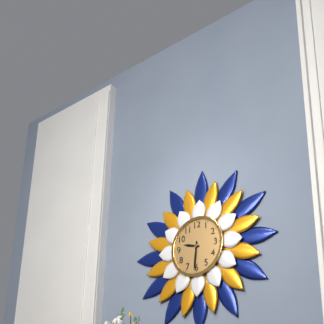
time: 9:31
